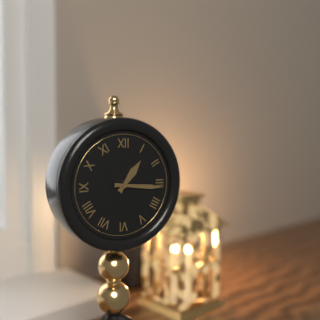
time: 1:16
